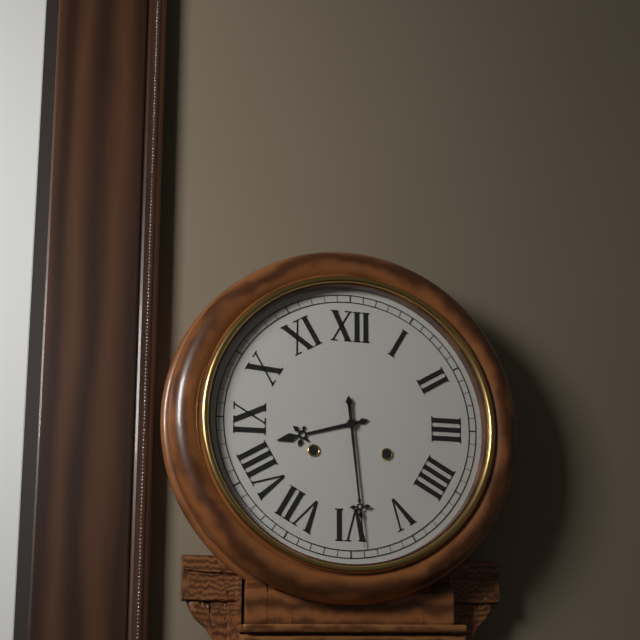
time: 8:29
